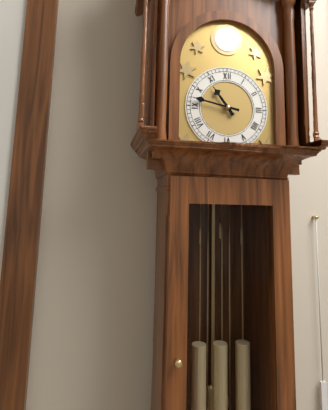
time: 10:47
